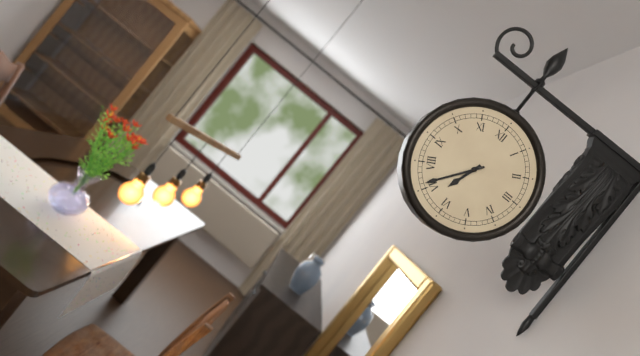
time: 6:36
